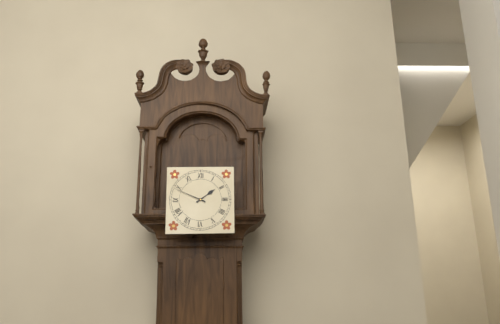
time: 1:49
